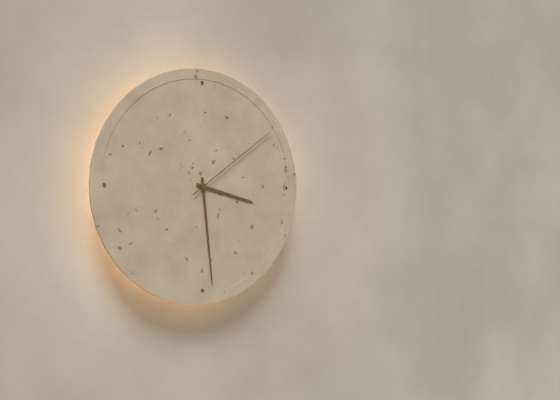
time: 3:29:09
